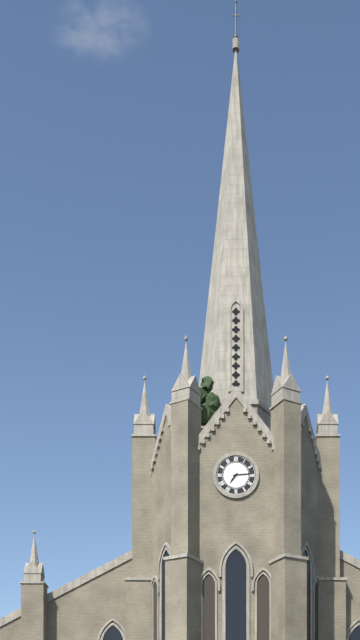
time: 7:14
